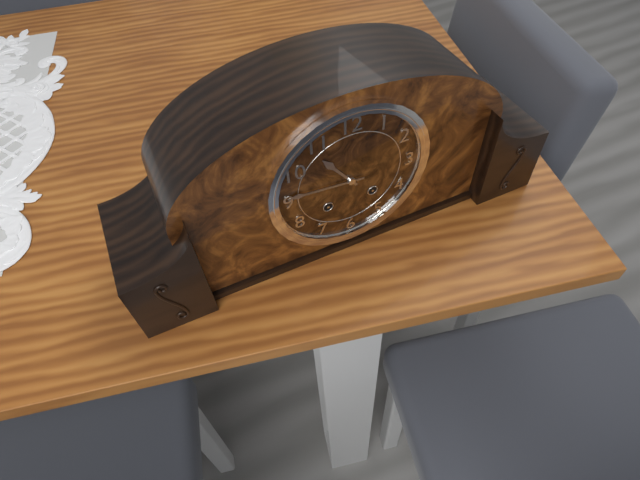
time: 10:46
